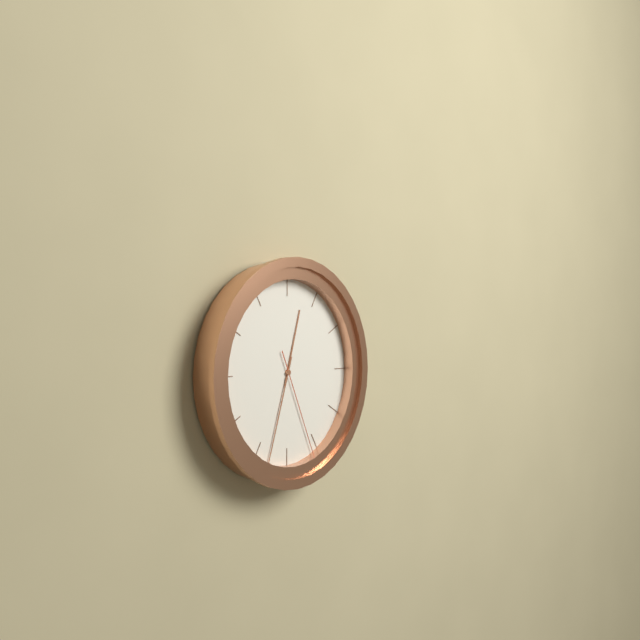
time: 12:33:26
